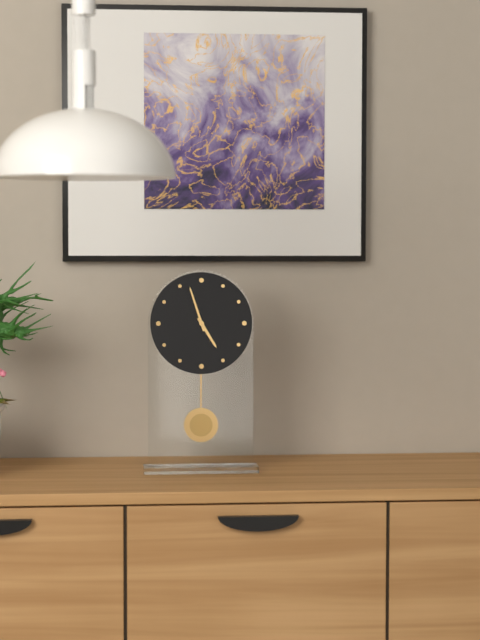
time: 4:57
